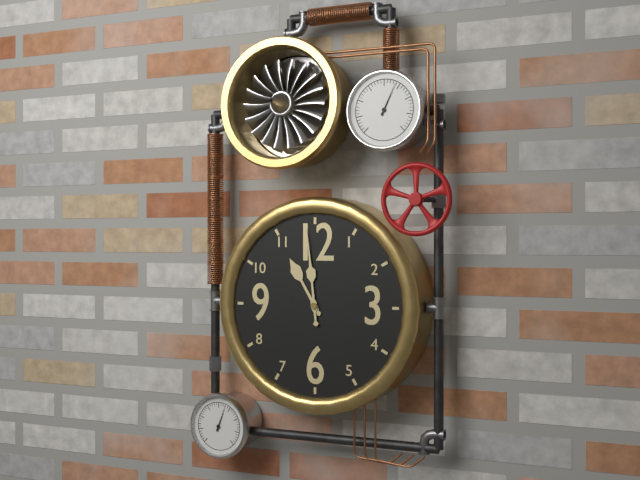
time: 10:59
